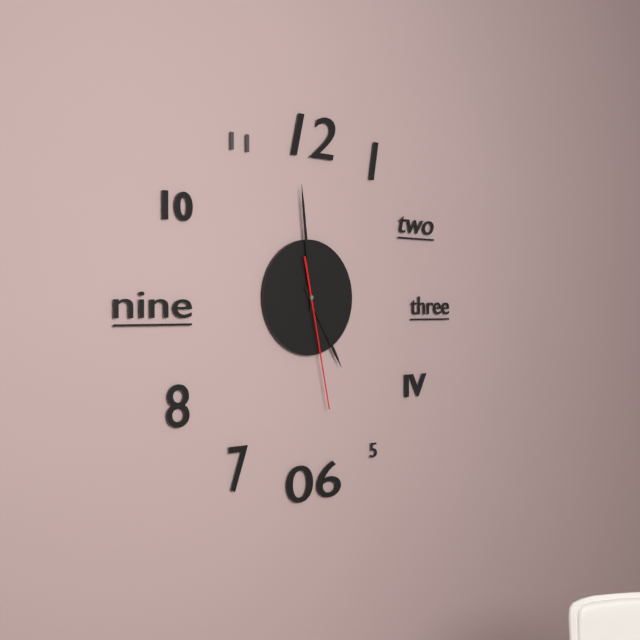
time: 4:59:28
